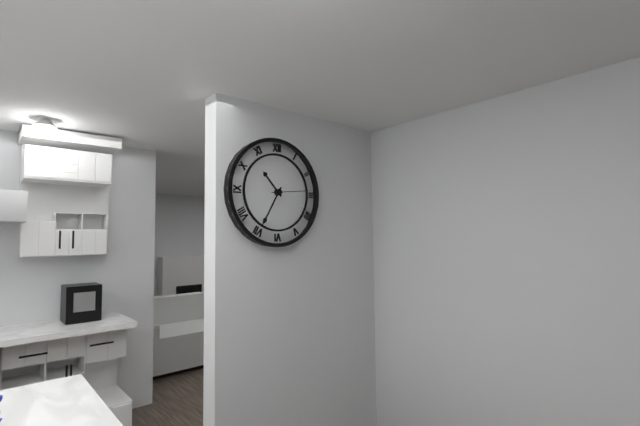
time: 10:35
